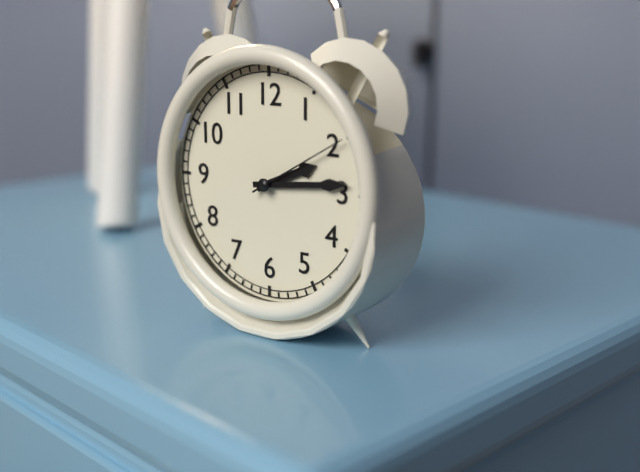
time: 2:14:10
